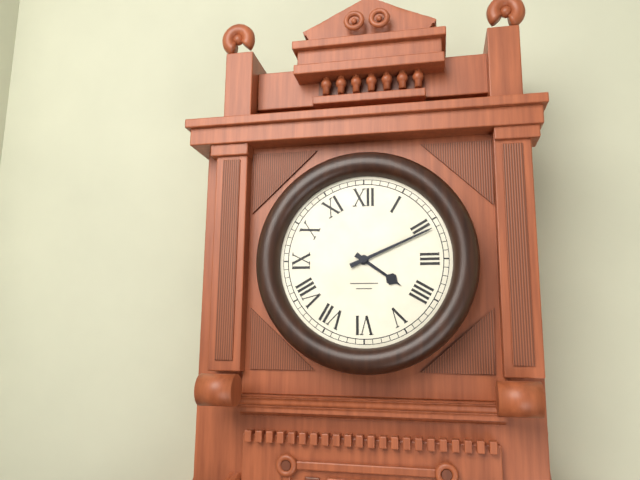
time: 4:11
